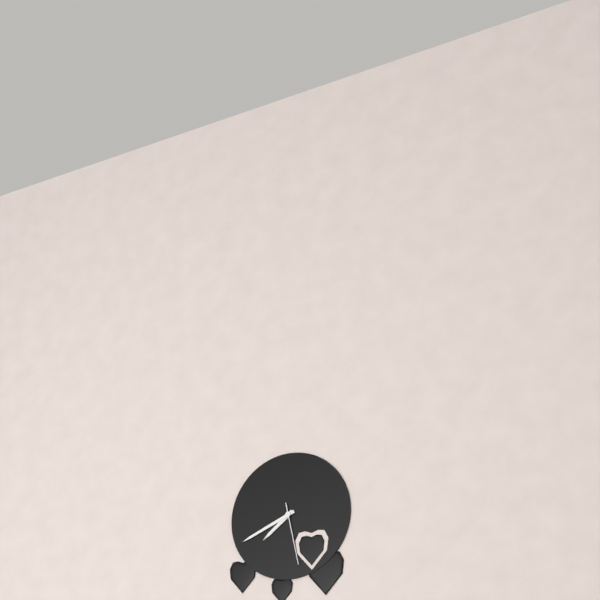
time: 7:41:28
